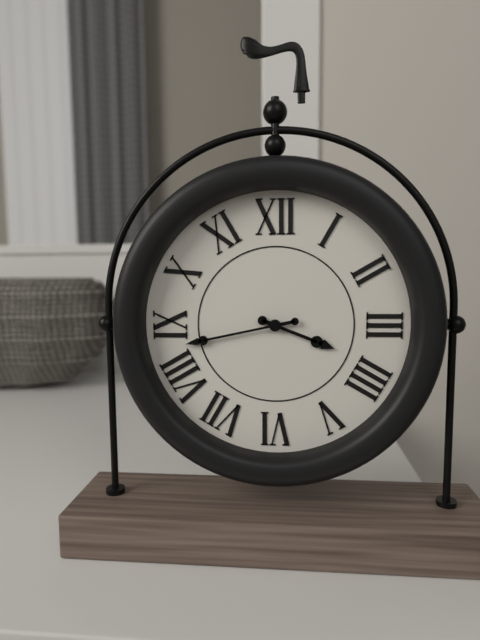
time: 3:43
